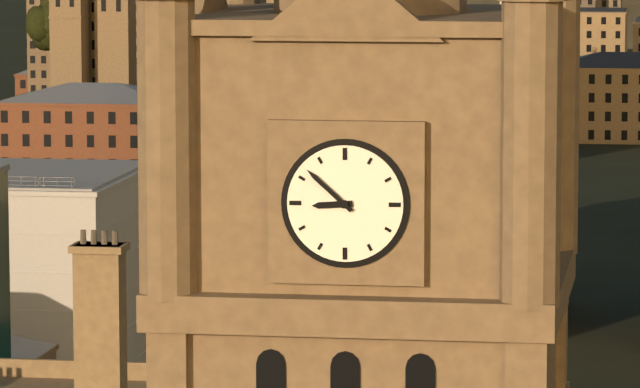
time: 8:52
